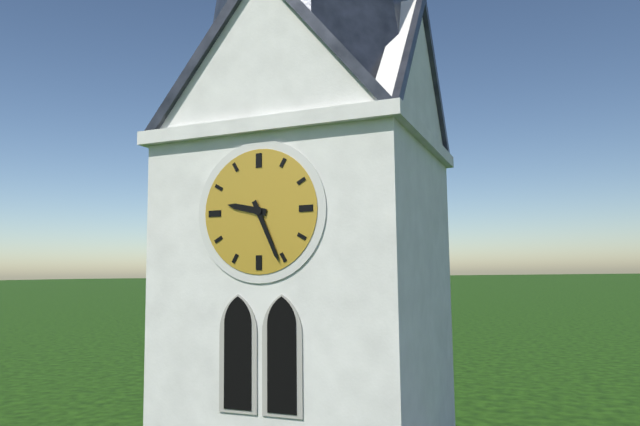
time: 9:26
